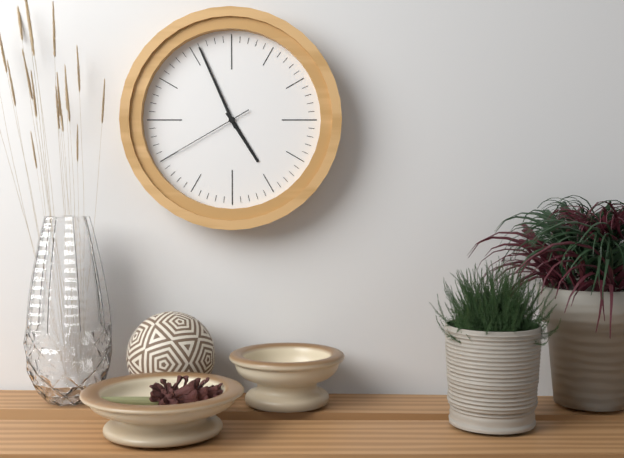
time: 4:56:40
